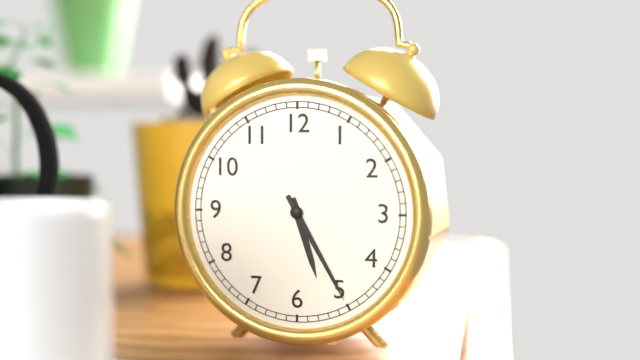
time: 5:25
